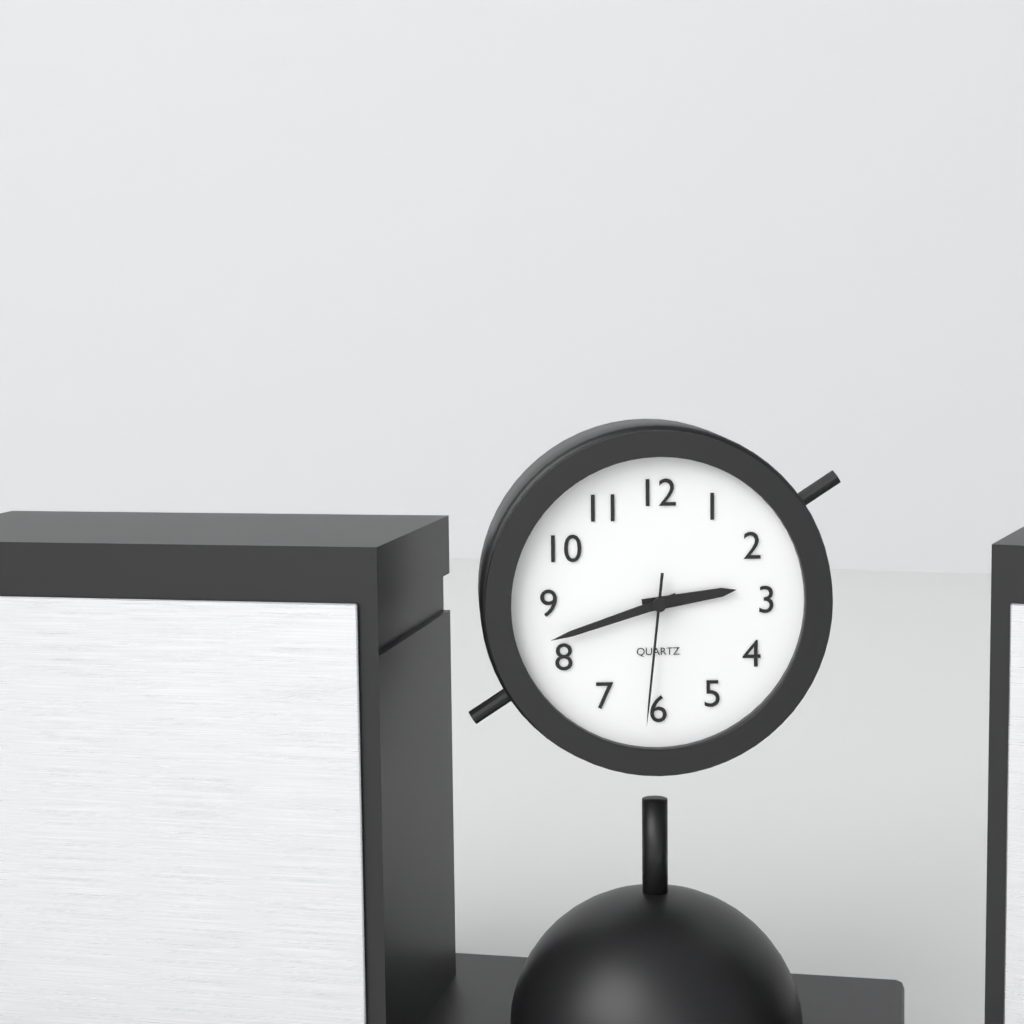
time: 2:42:31
